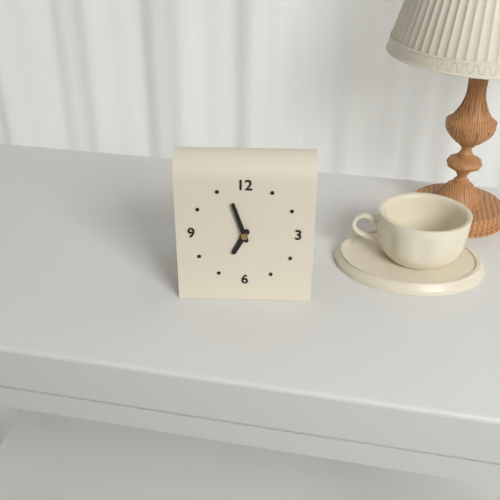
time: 6:57
